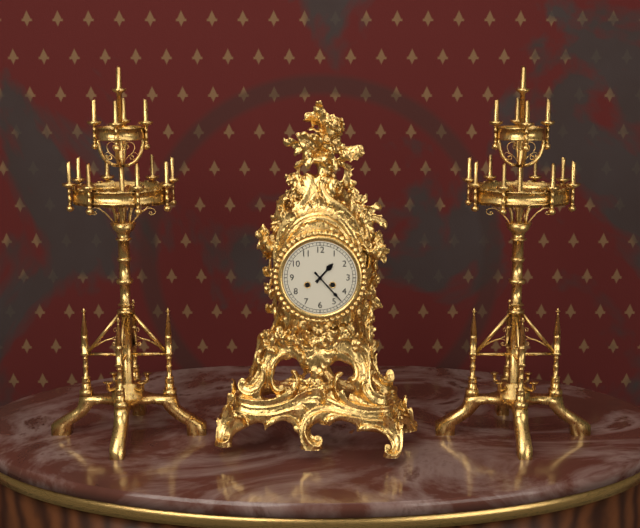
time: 1:23
